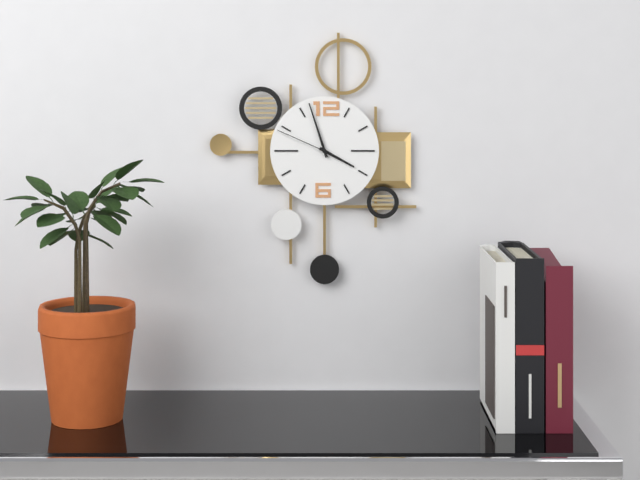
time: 3:57:49
